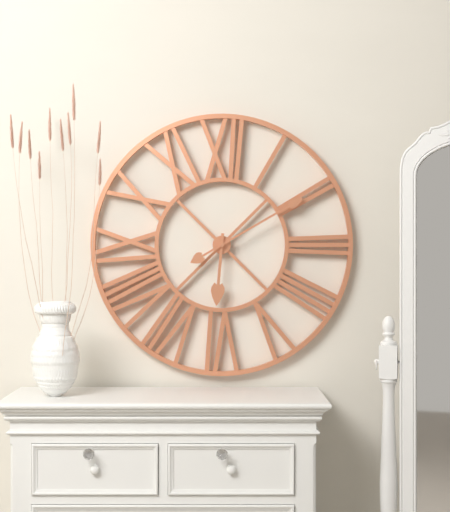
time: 6:10
